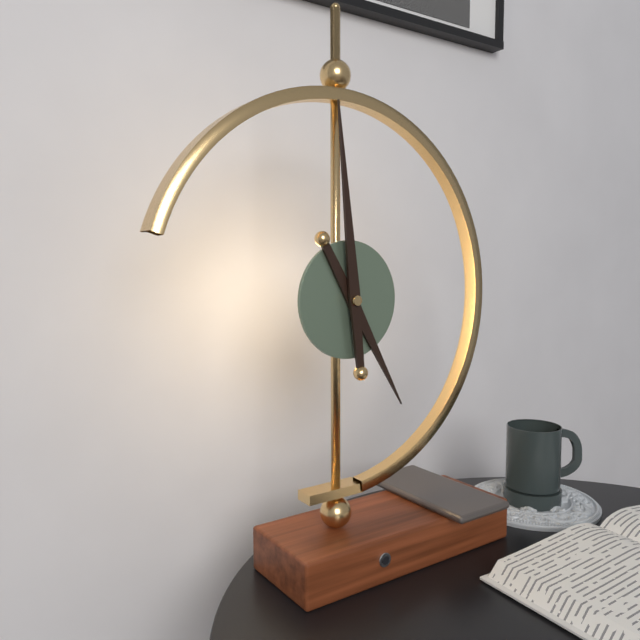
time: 4:59
